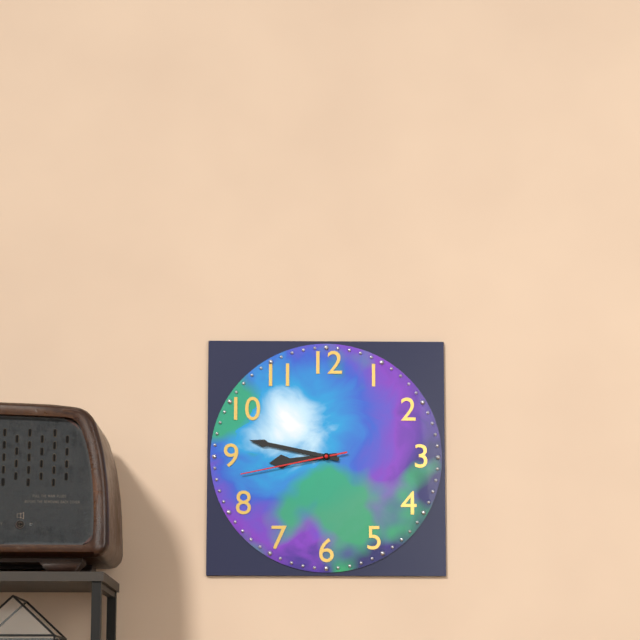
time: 8:47:43
